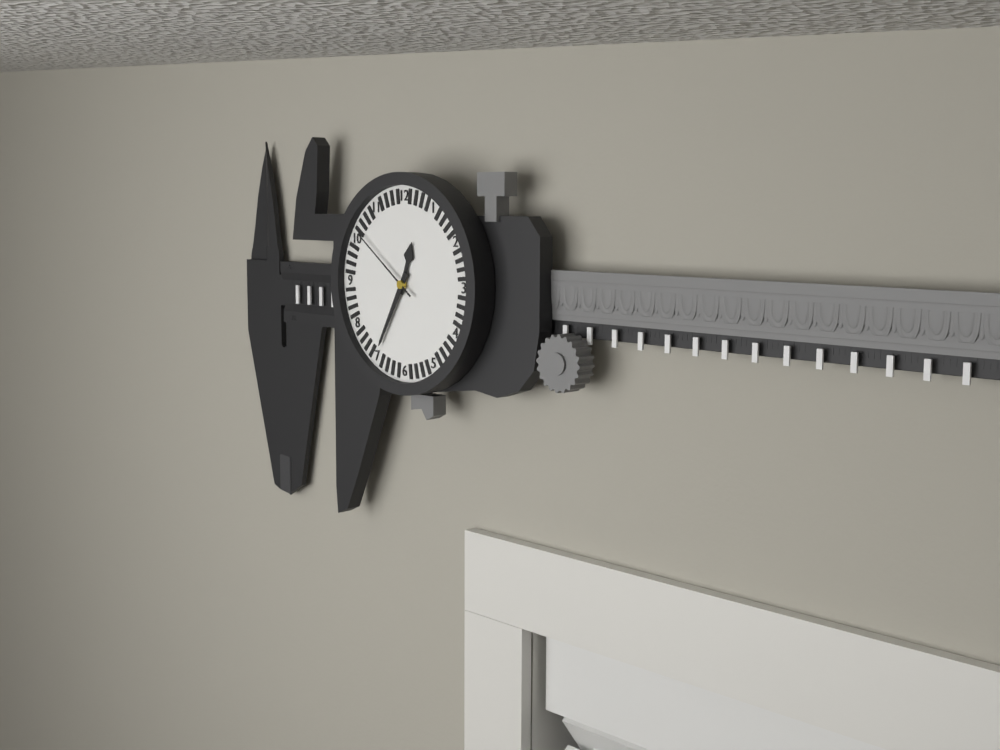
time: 12:35:51
